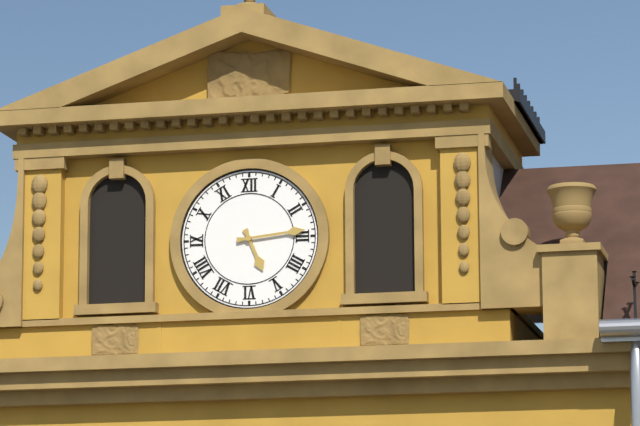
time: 5:14
